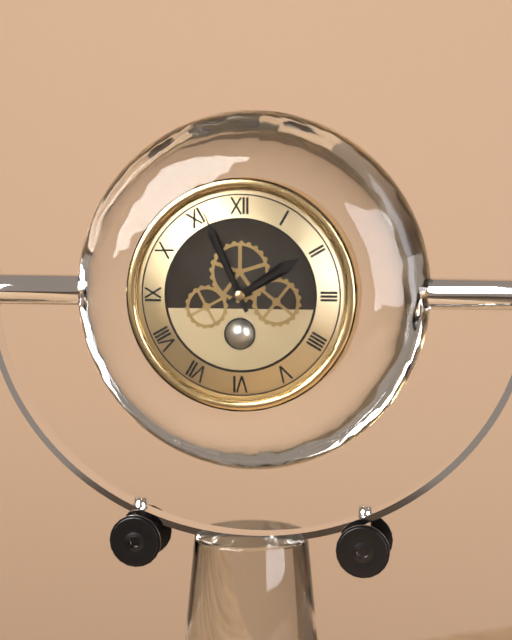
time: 1:56
